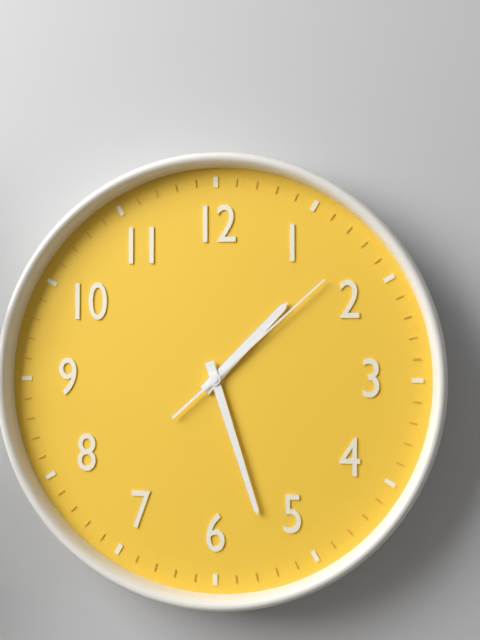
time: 1:27:08
